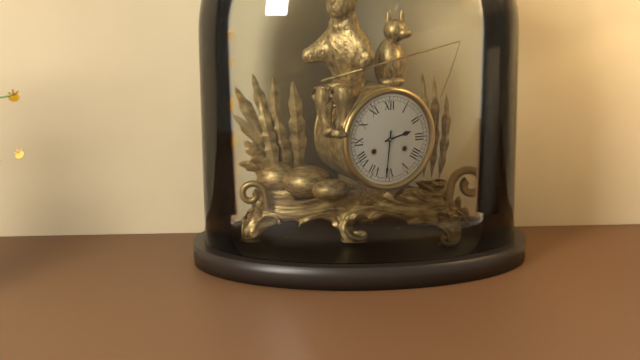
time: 2:31
